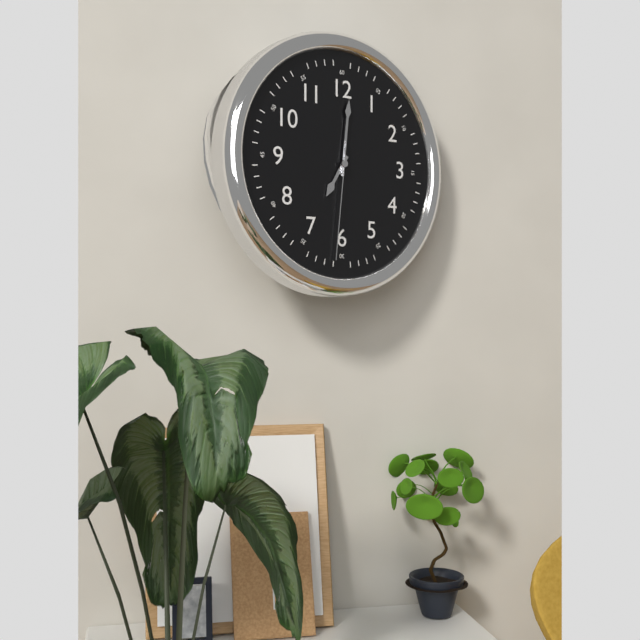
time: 7:01:31
